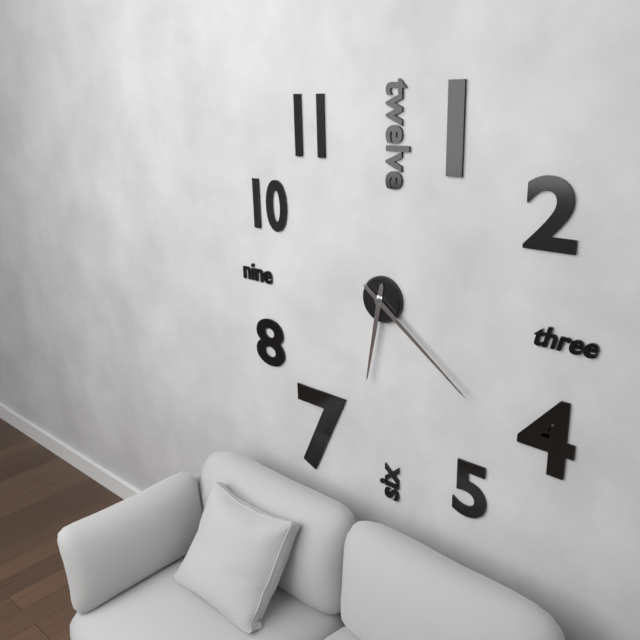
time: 6:21
